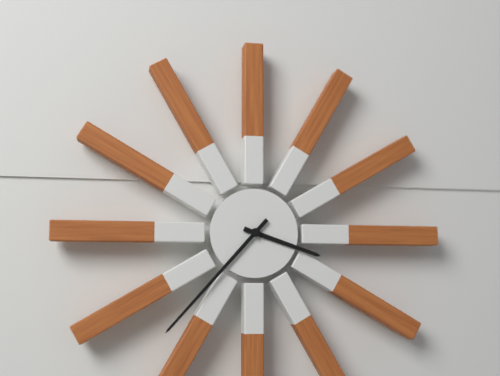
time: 3:37
